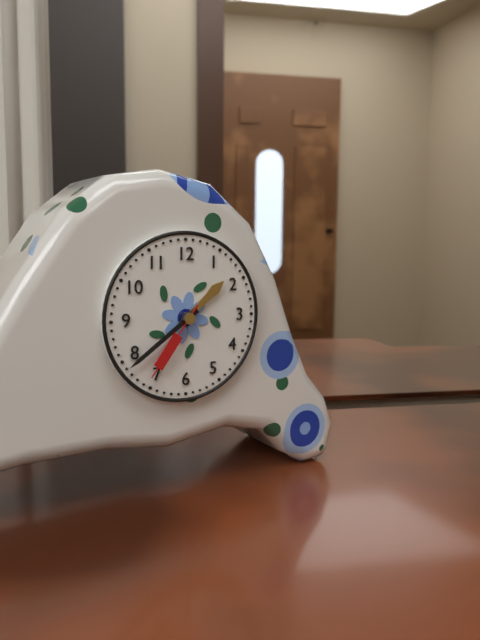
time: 1:39:36
